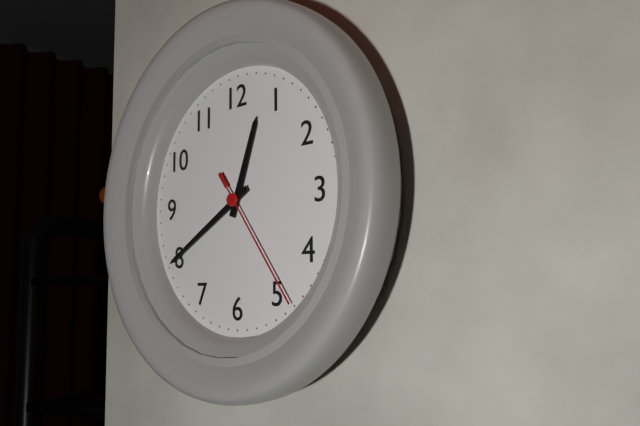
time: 12:40:24
